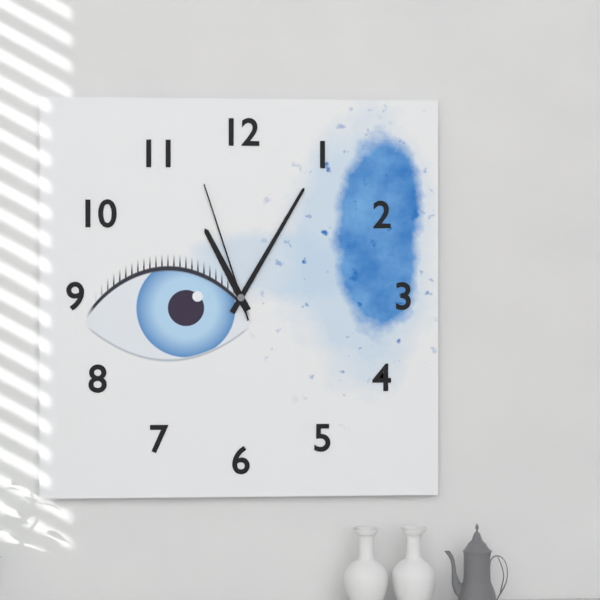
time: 11:05:57
